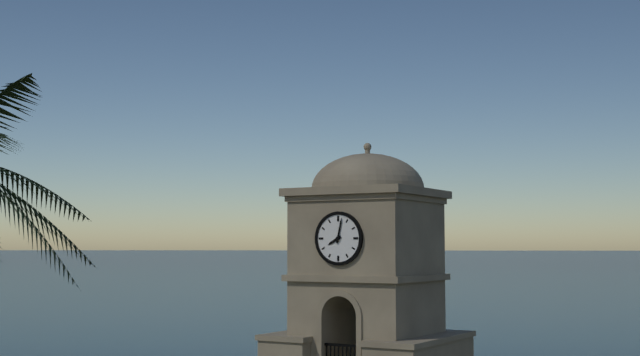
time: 8:02
